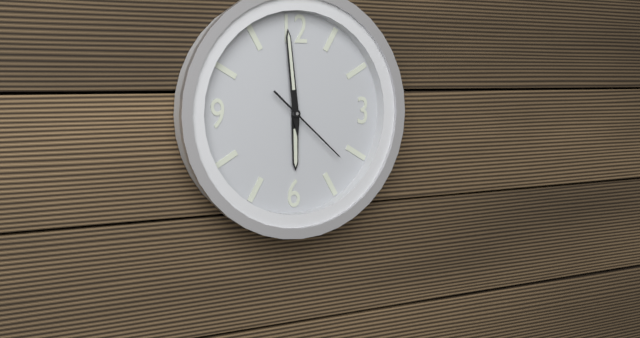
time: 5:59:22
